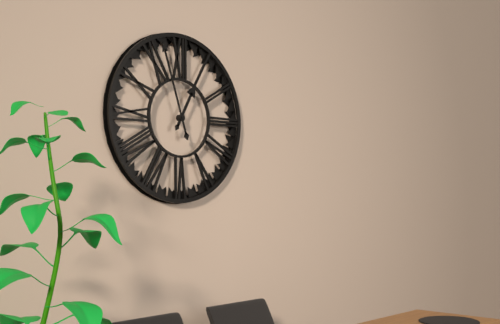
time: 12:57
